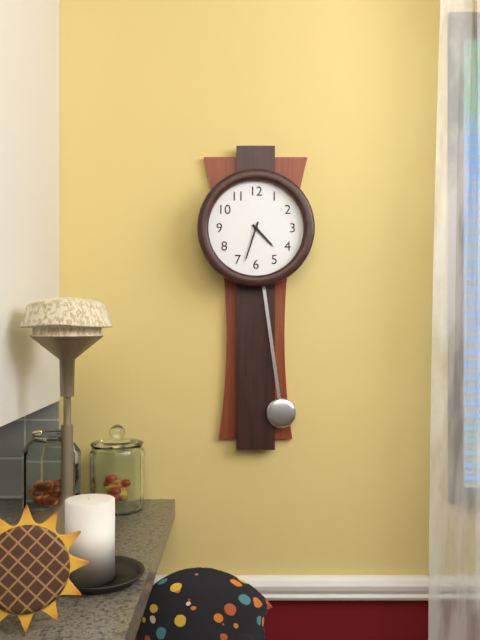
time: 4:33
